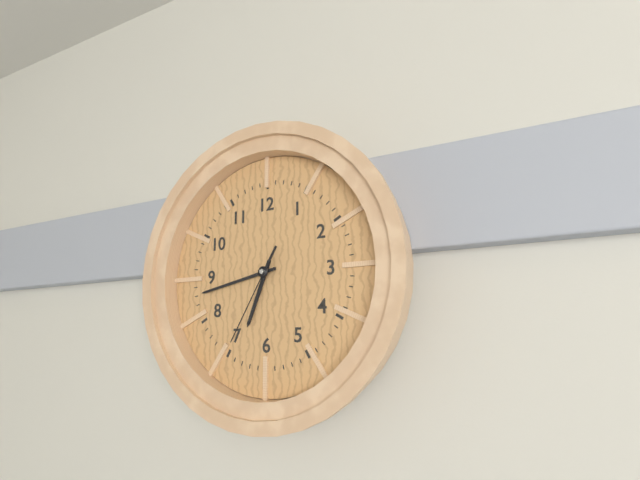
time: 6:43:35
